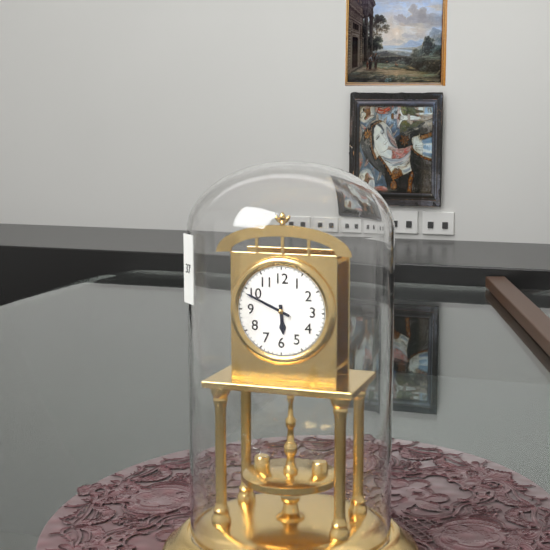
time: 5:49
